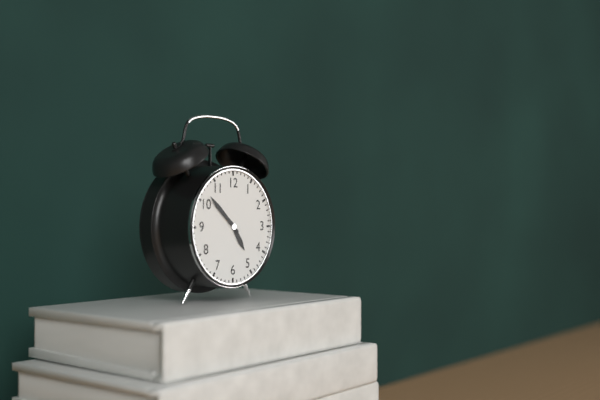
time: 4:52
